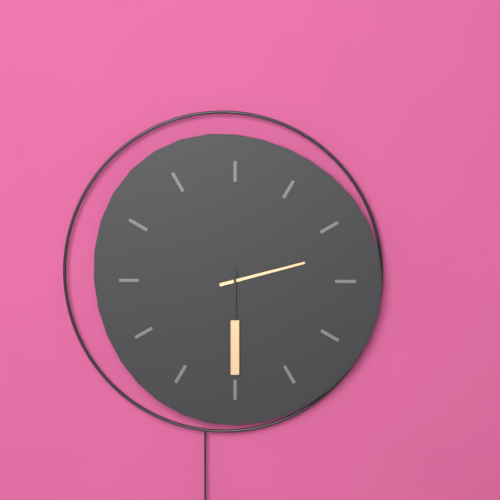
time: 2:30
